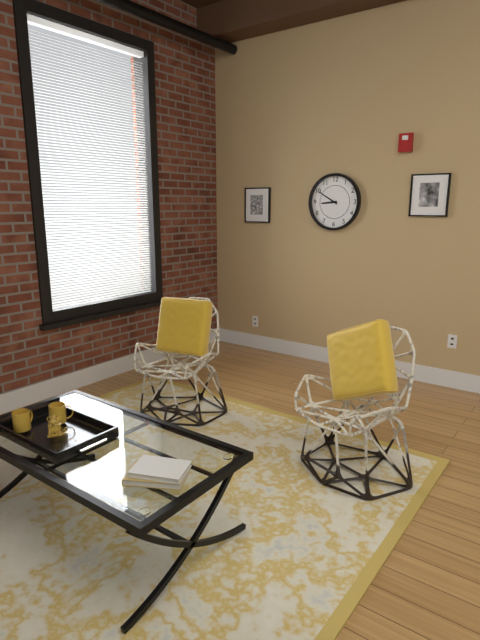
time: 8:50
